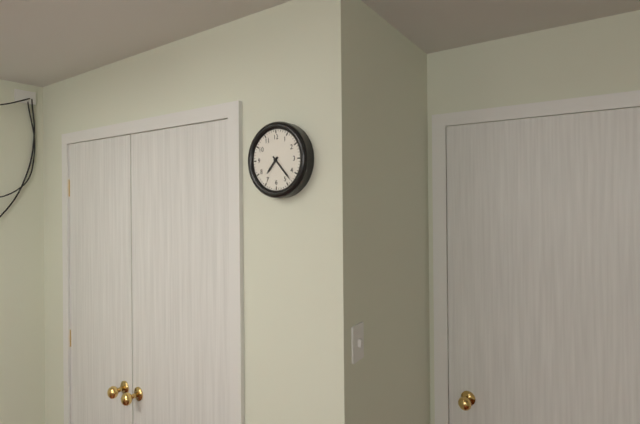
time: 7:23
